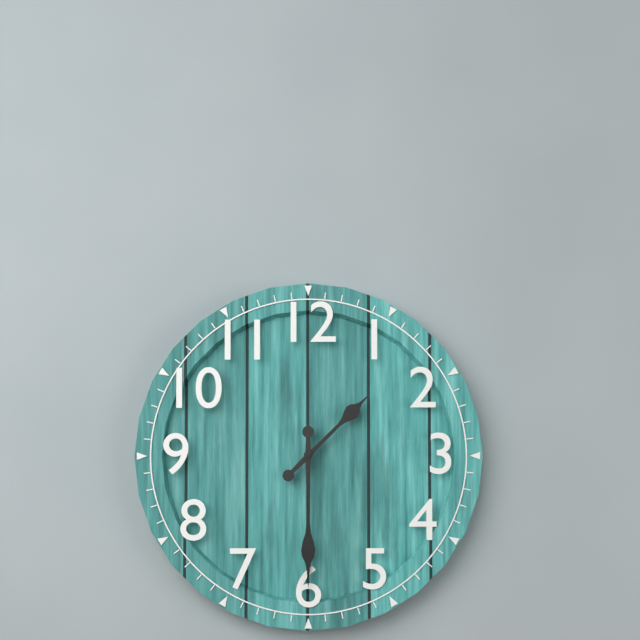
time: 1:30
